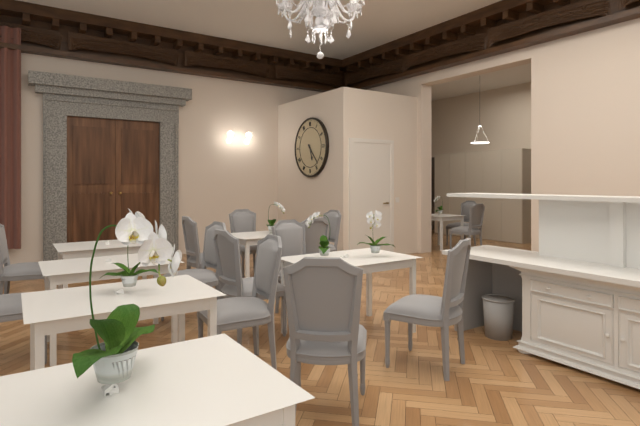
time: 5:23
